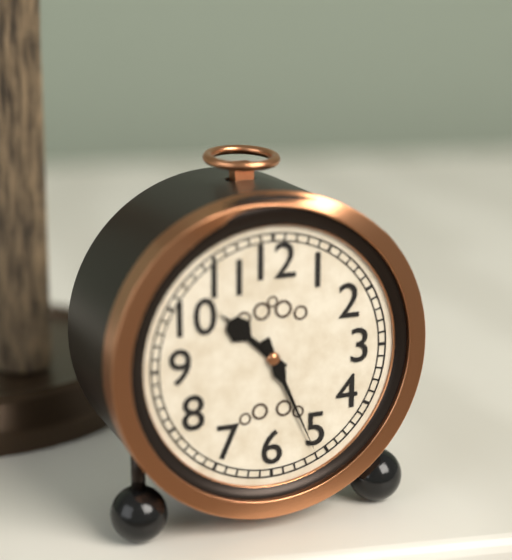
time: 10:26
